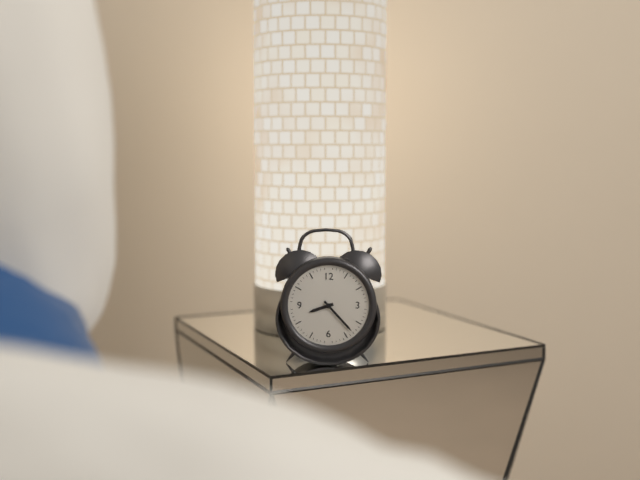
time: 8:23
